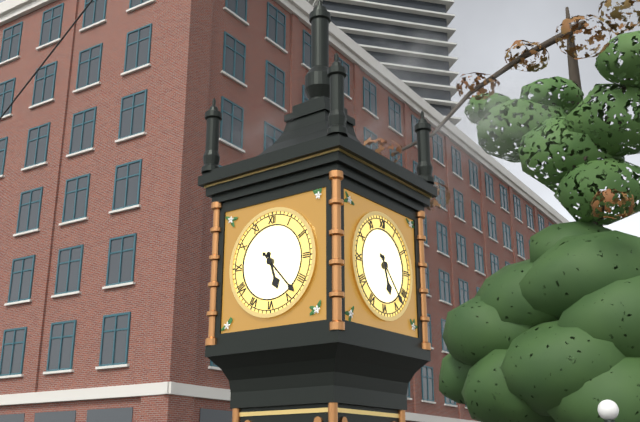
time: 5:23
